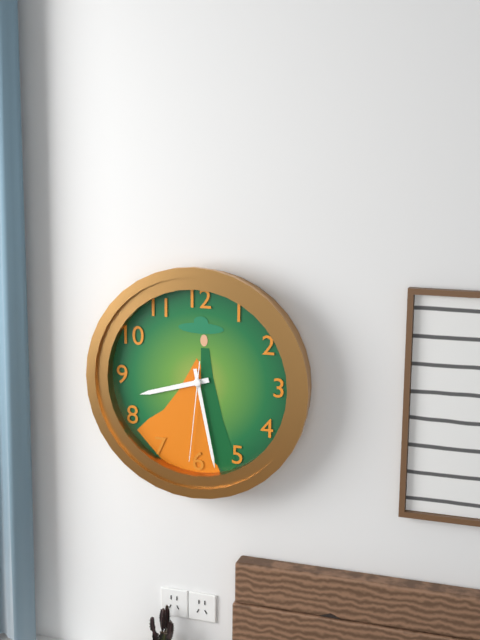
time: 8:28:31
